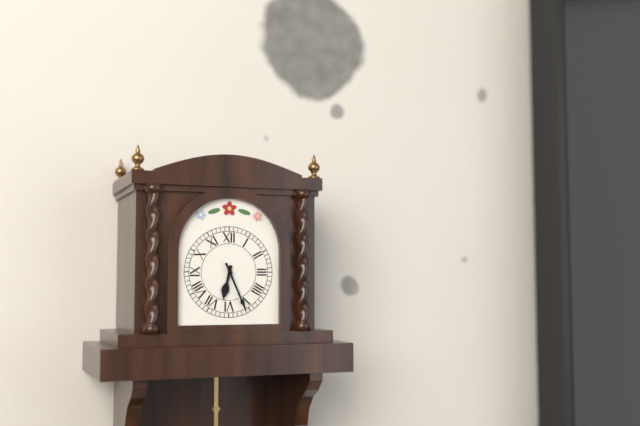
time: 6:26
